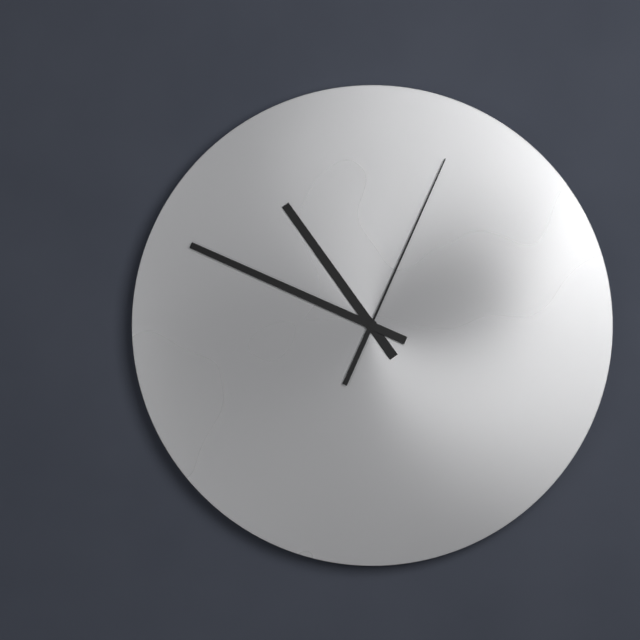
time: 10:49:04
